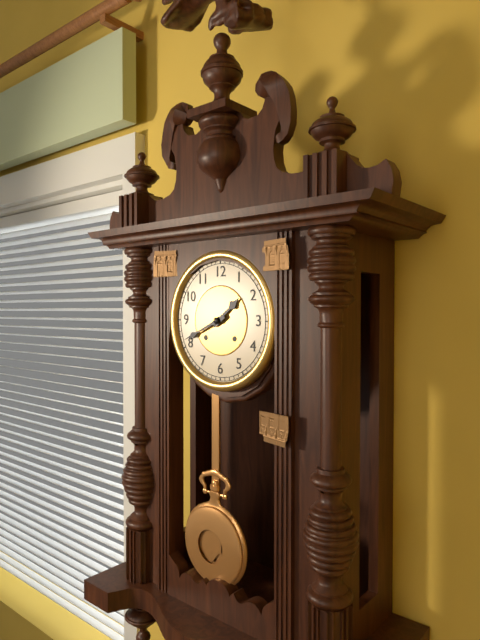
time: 1:41
